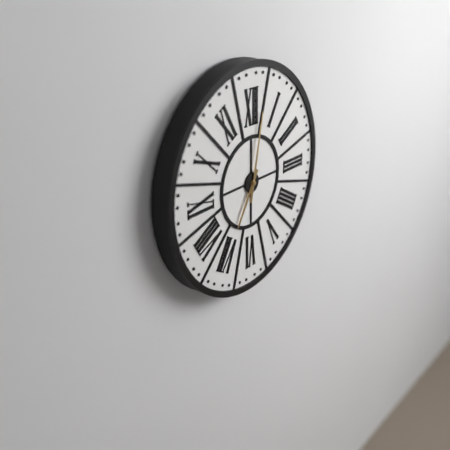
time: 7:02
